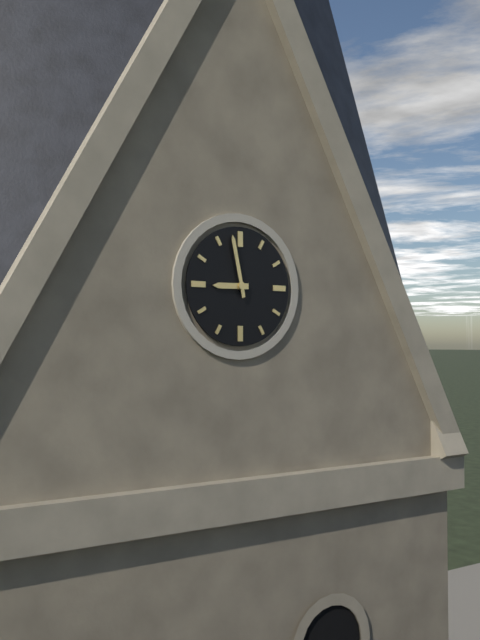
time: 8:58
